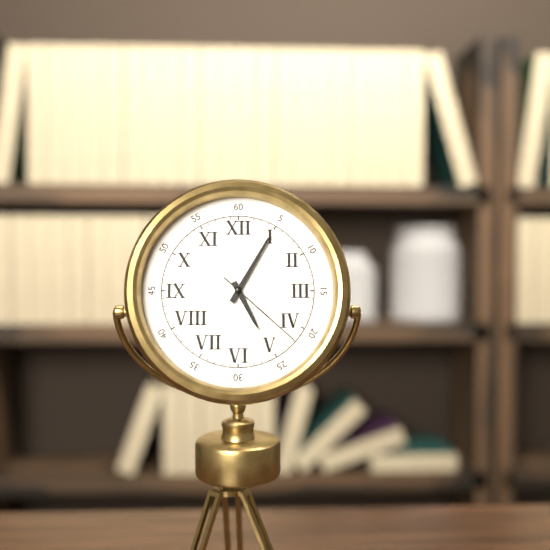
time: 5:05:22
